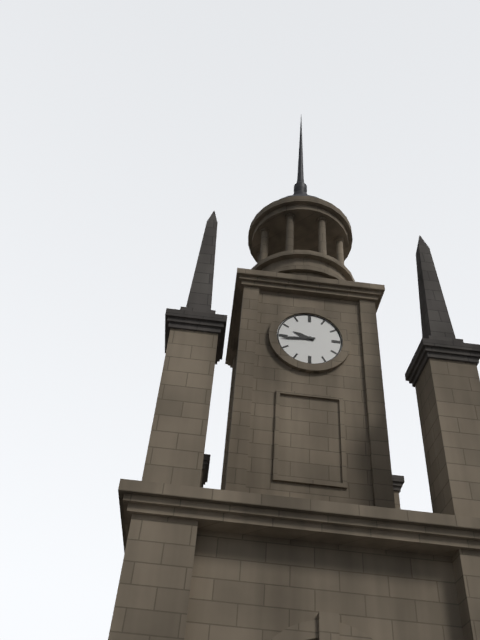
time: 9:44
